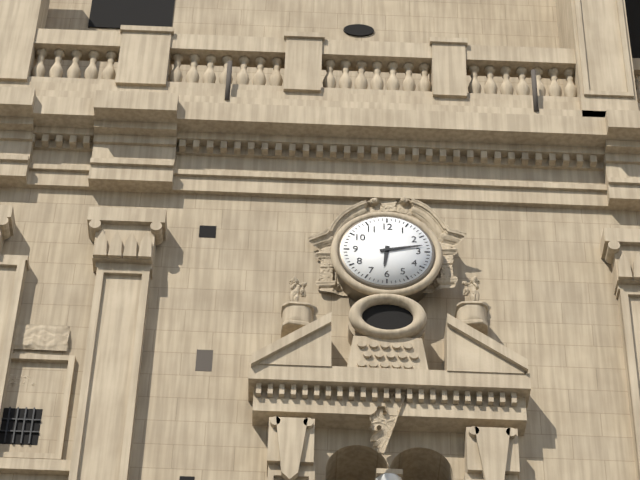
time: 6:13
